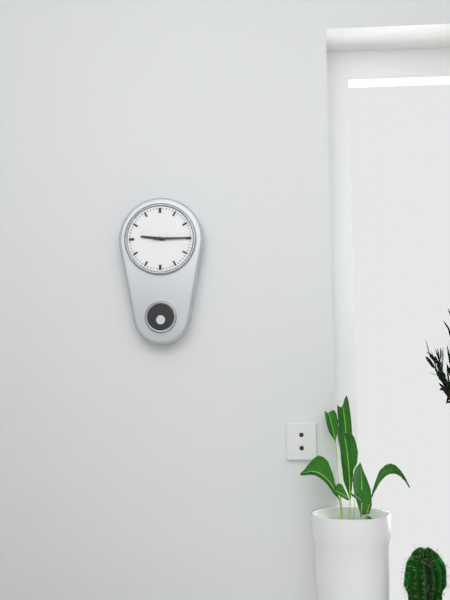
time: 9:15
